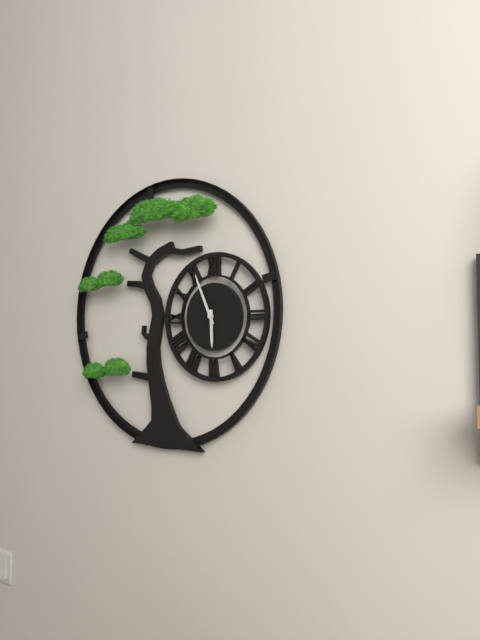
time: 5:56
